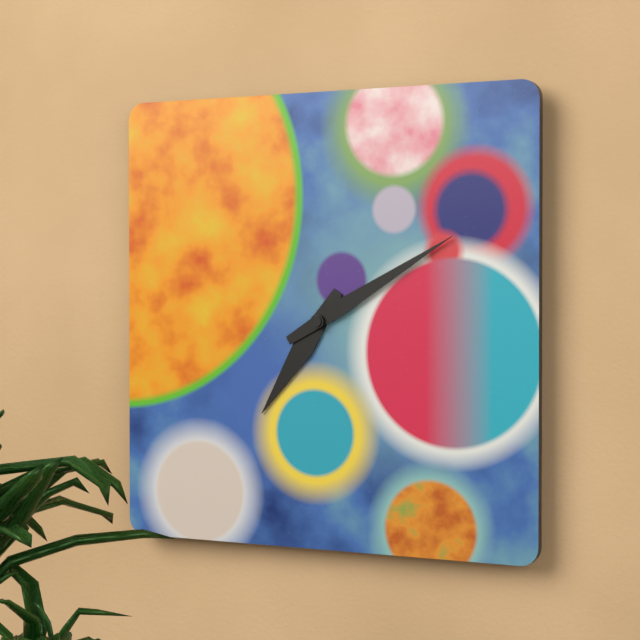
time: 7:10
